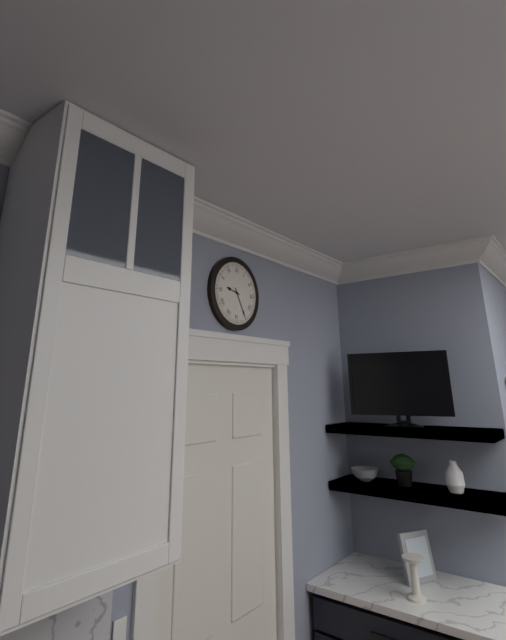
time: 9:25
